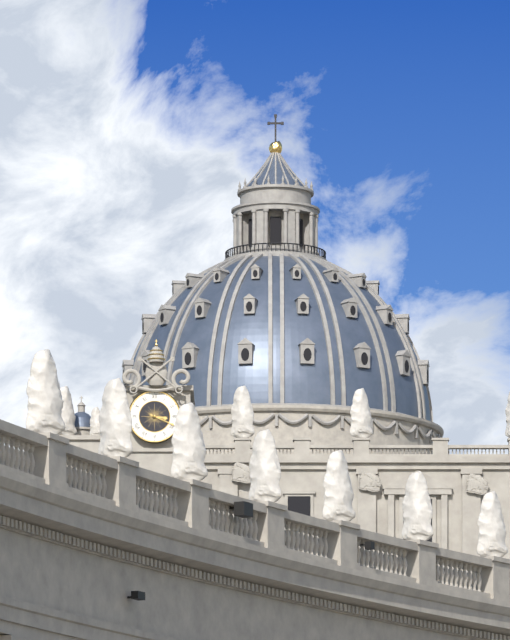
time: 3:19
